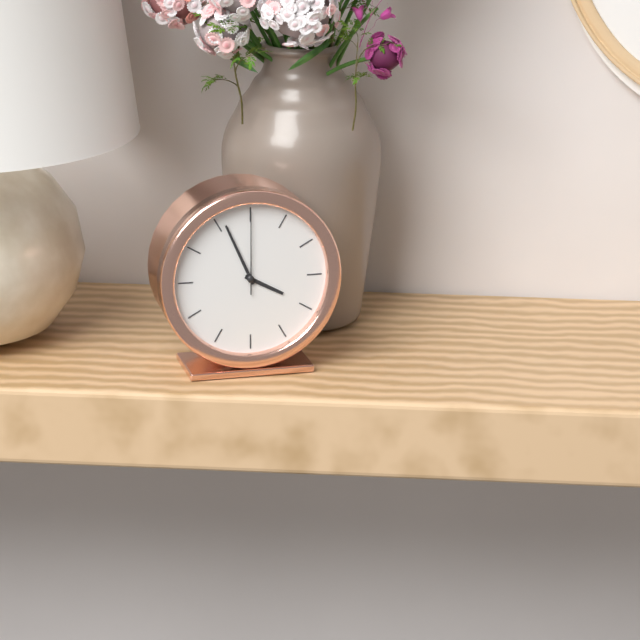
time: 3:56:00
